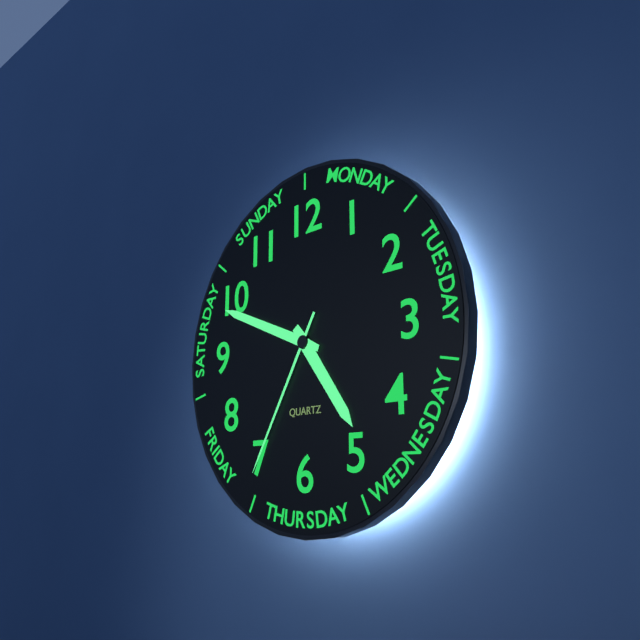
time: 4:49:35
